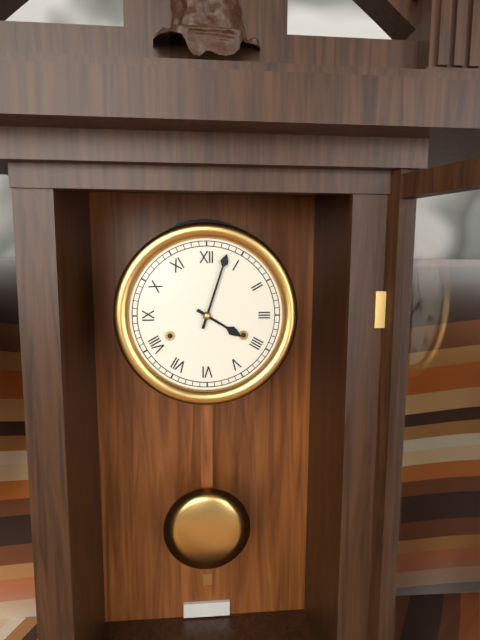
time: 4:03
